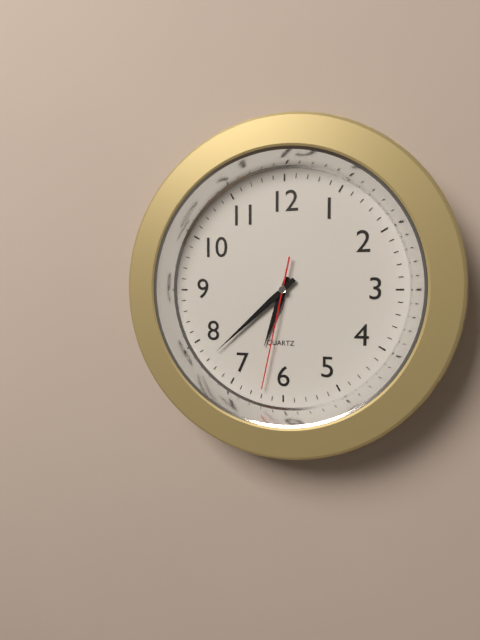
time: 6:38:32
